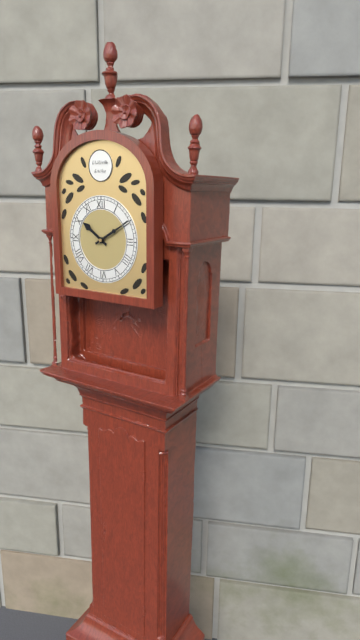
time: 10:10
